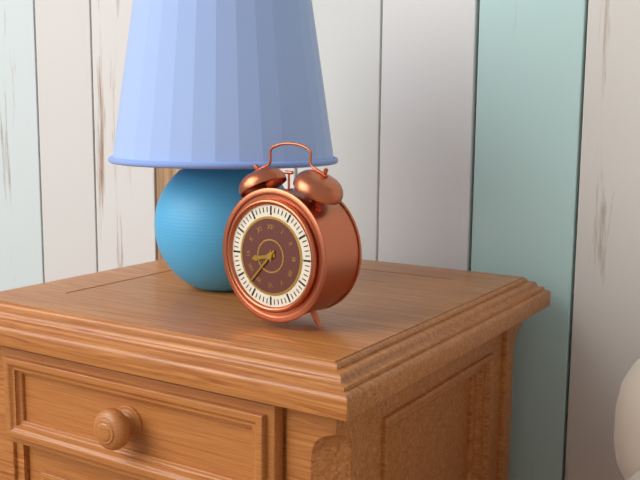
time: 8:37
